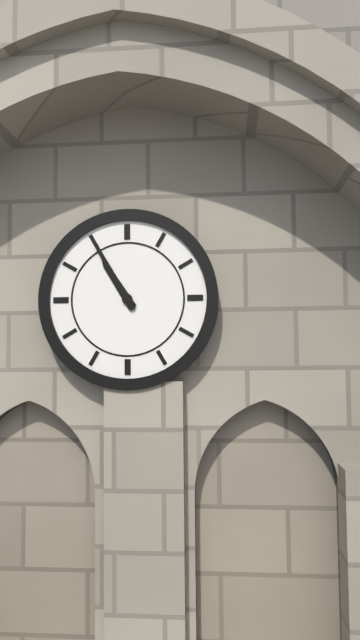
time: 10:55
